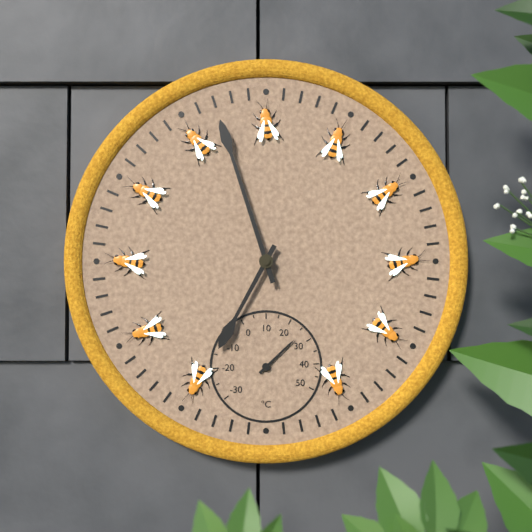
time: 6:57
